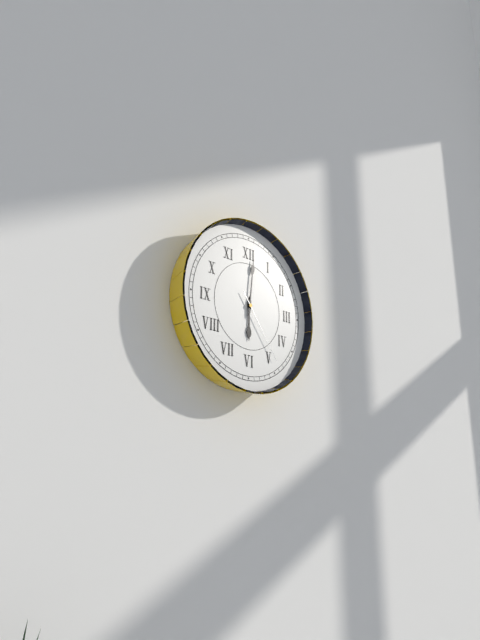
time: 6:01:24
